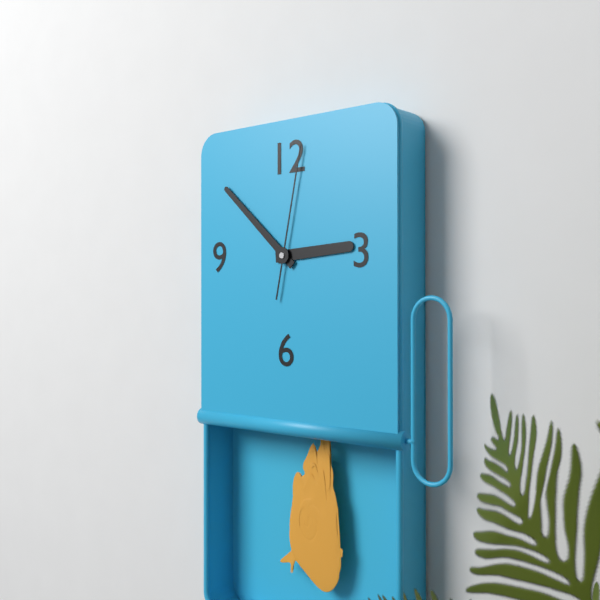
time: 2:52:02
